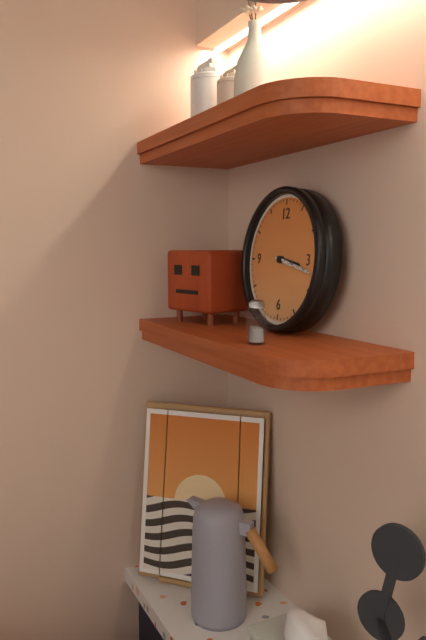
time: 3:17
